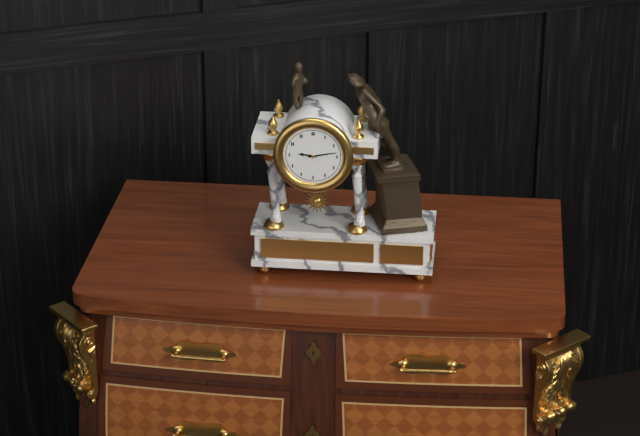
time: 9:13
